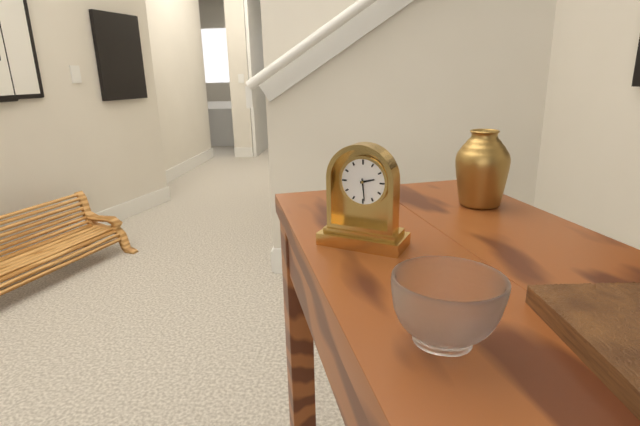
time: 2:29
